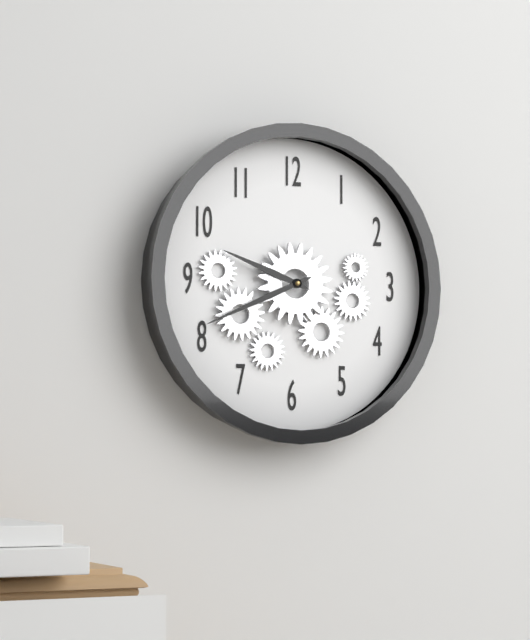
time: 9:41
